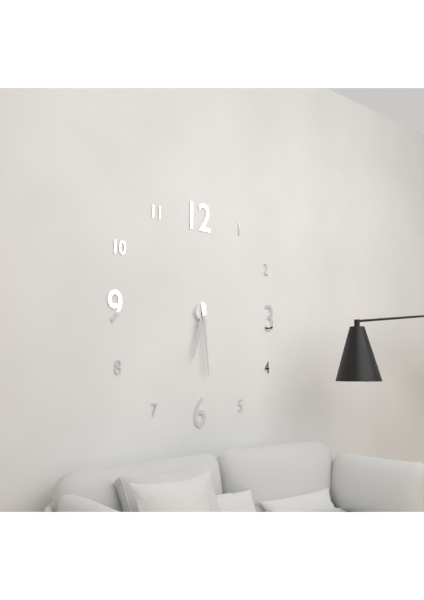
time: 6:29
